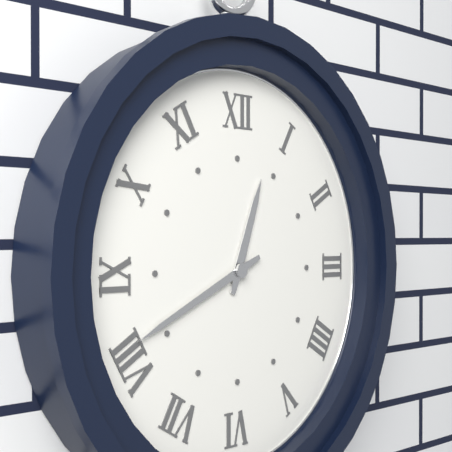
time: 12:41
